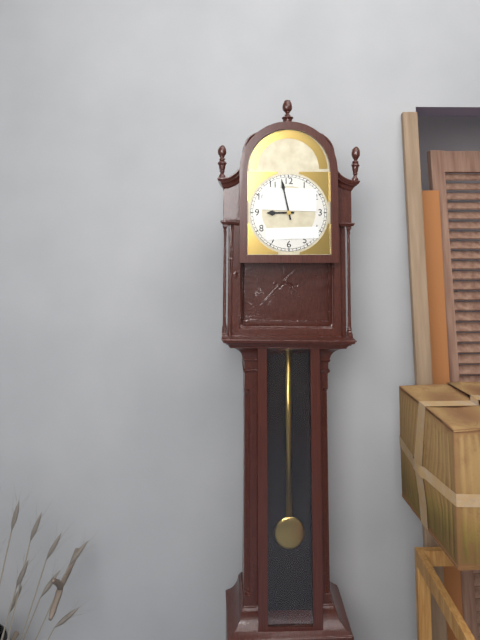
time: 8:58
